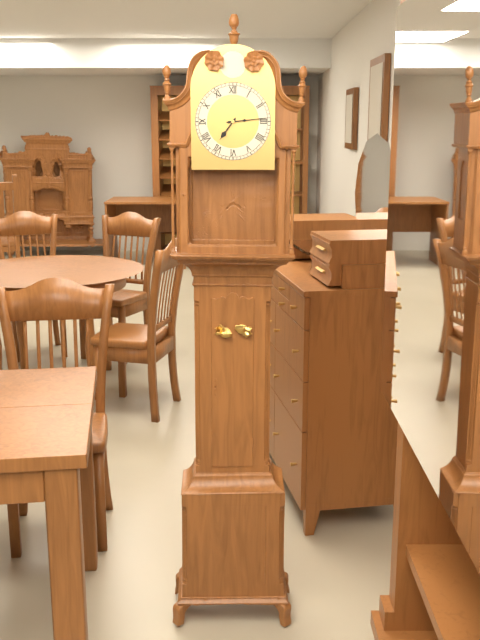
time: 7:14
